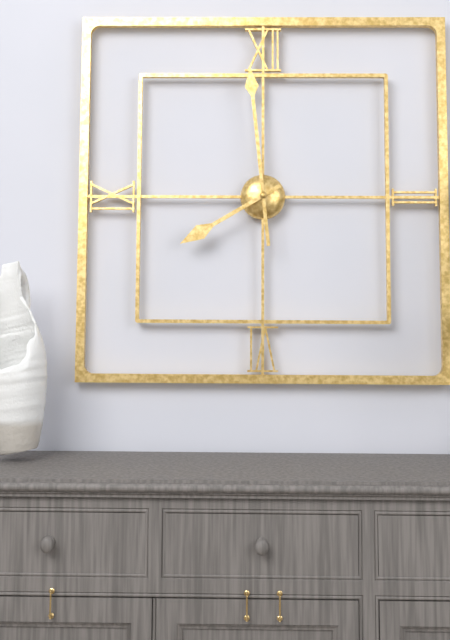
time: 7:59
